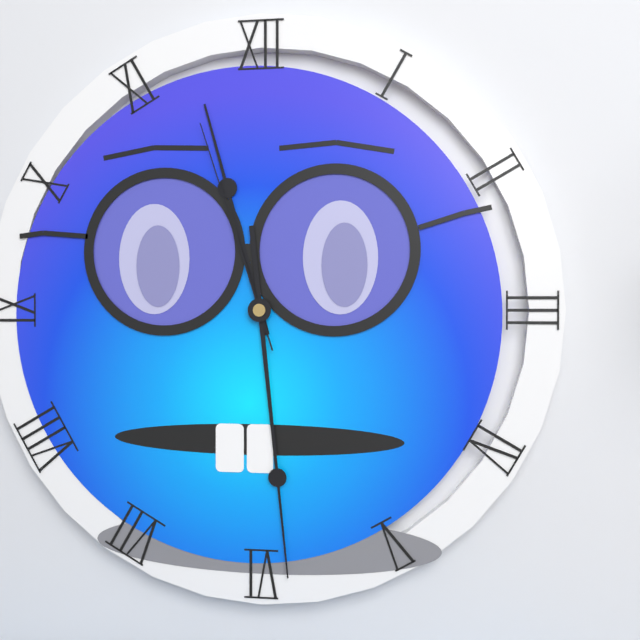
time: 11:29:57
